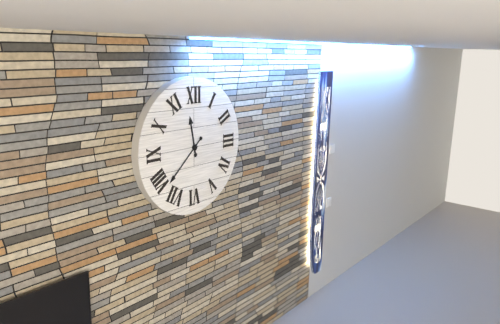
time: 11:38
